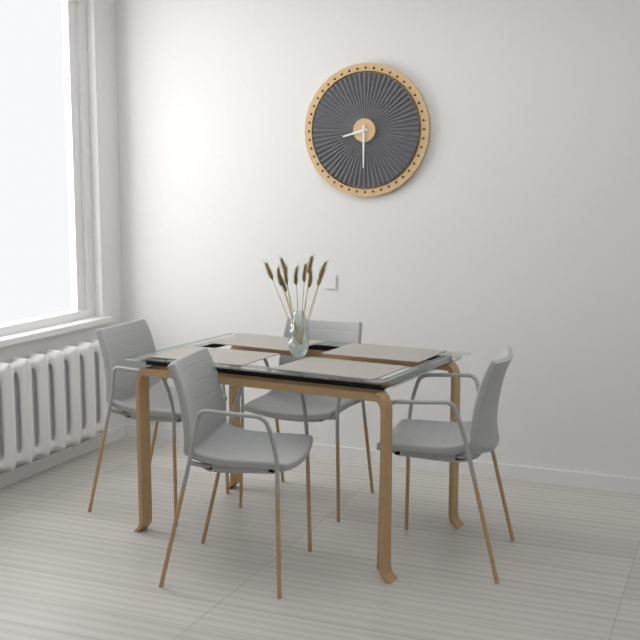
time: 8:30
